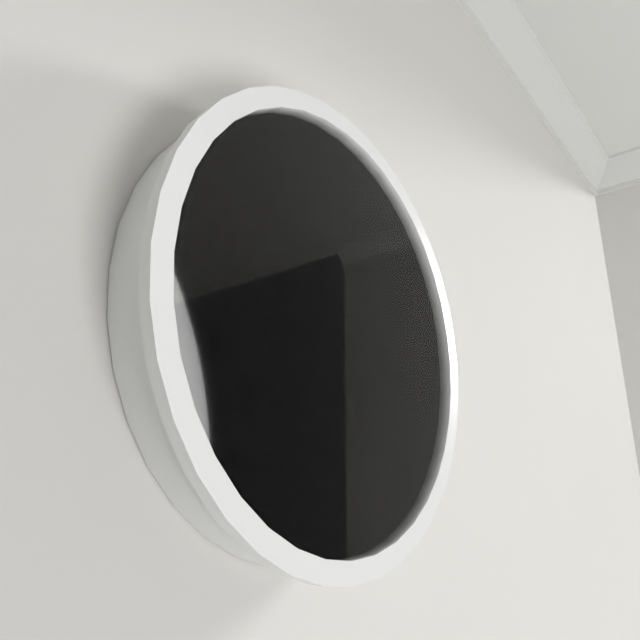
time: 5:20
